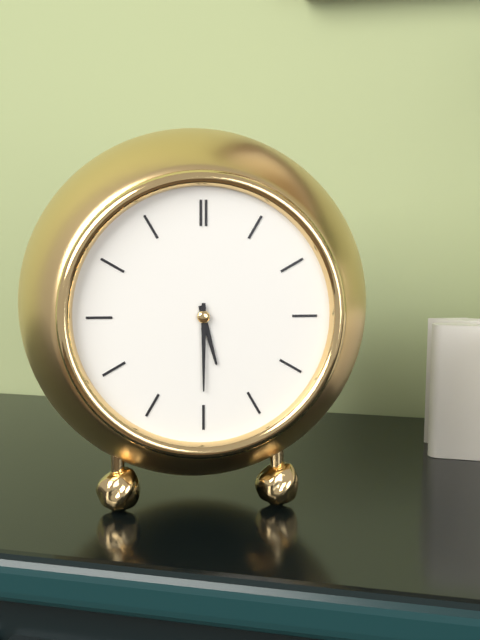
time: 5:30
